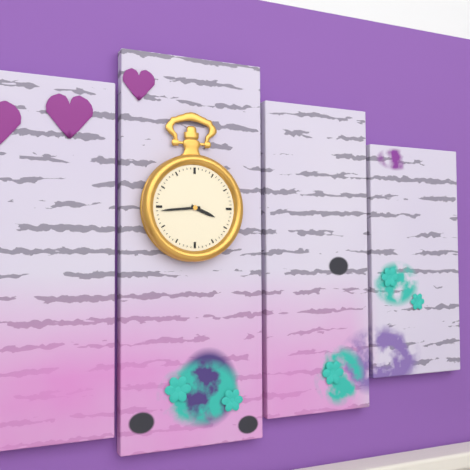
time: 3:44
